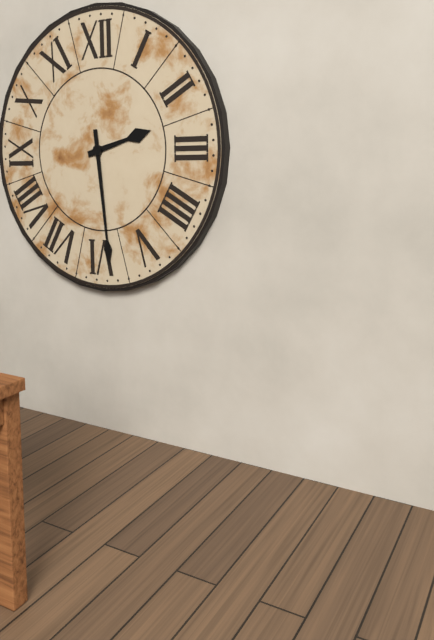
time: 2:29
